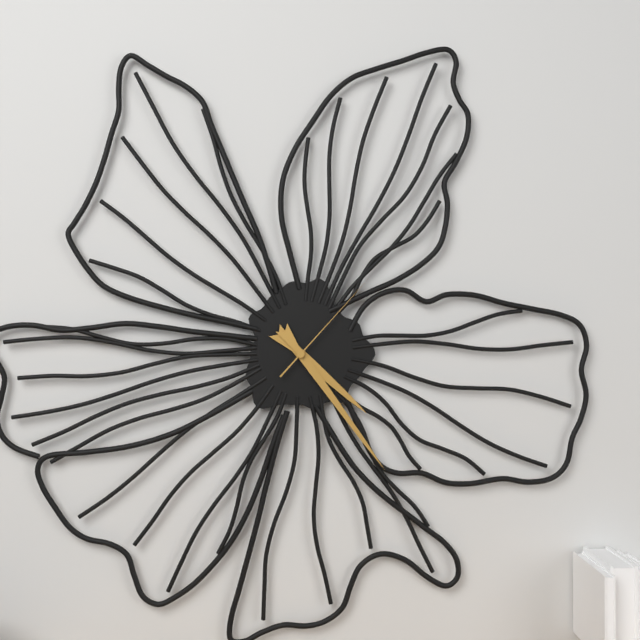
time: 4:24:07
